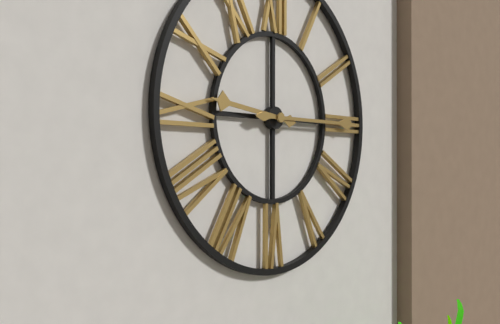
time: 9:15
